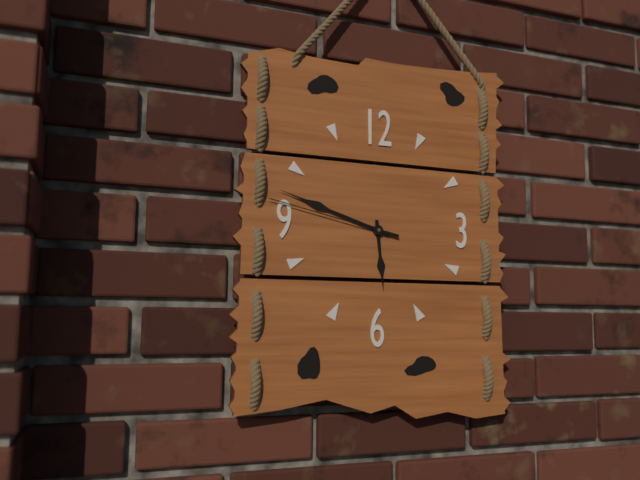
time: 5:48:47
